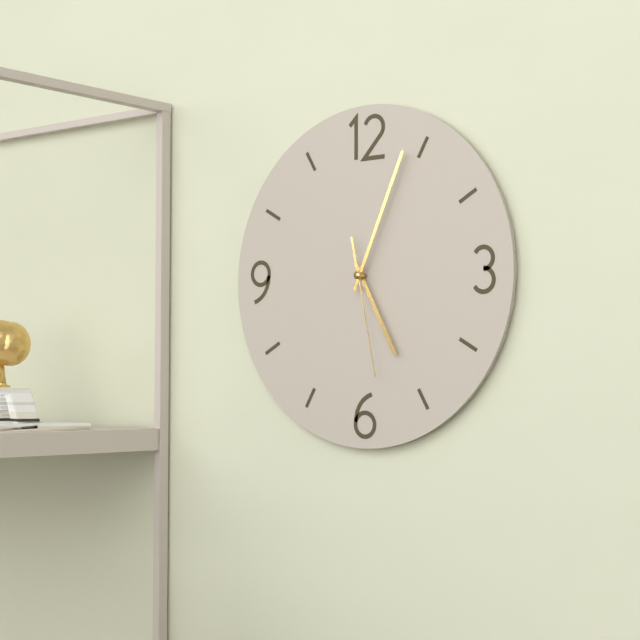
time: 5:04:28
